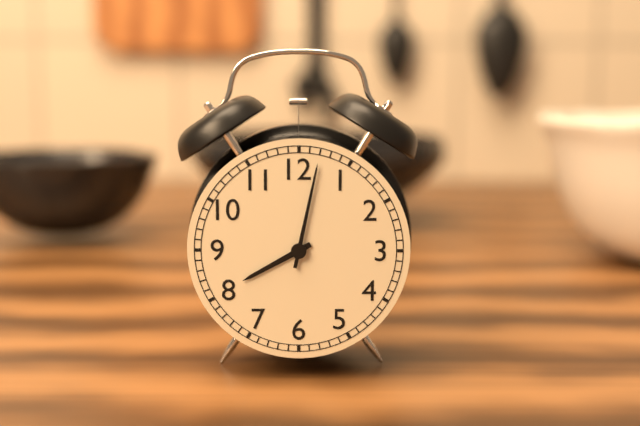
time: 8:02
